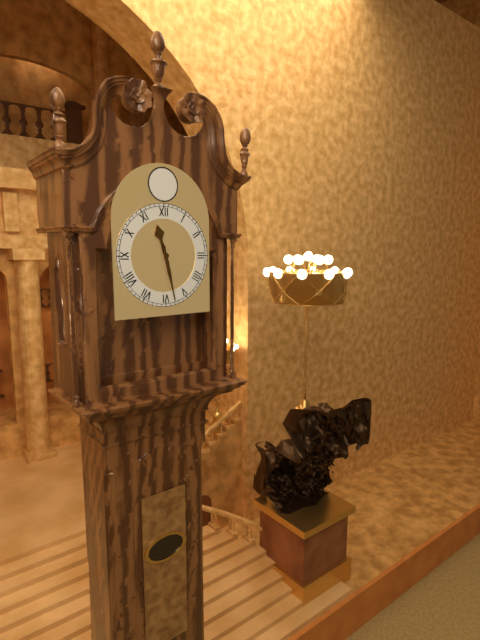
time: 11:28
